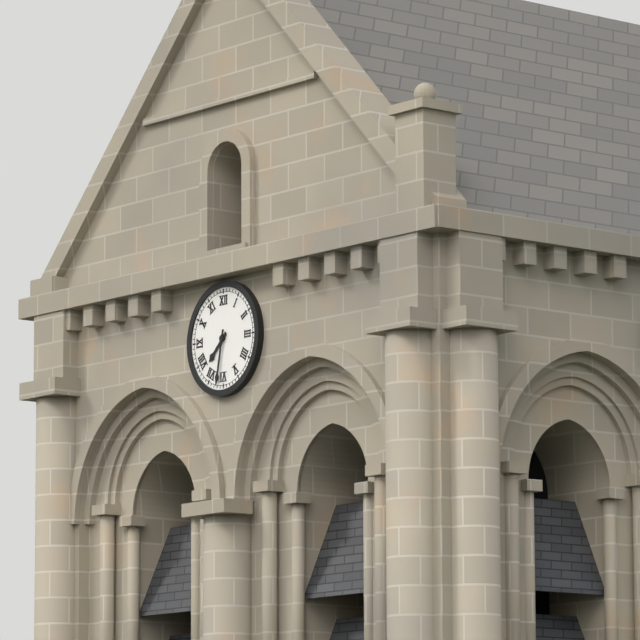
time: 7:32
